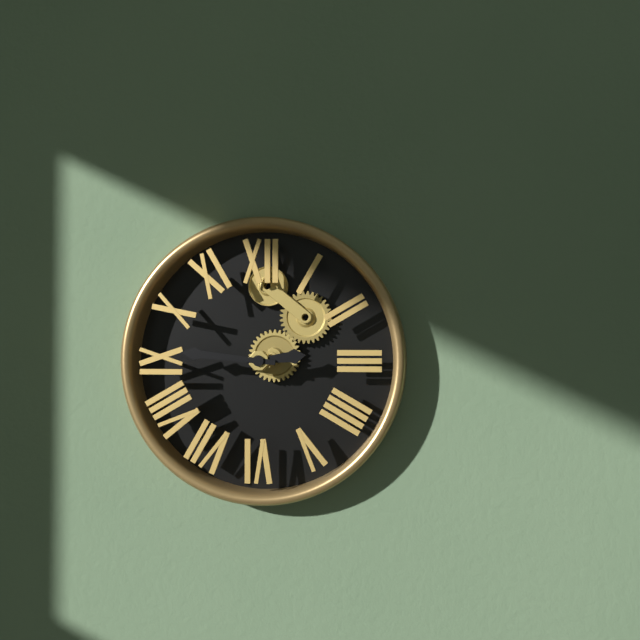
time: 2:46
